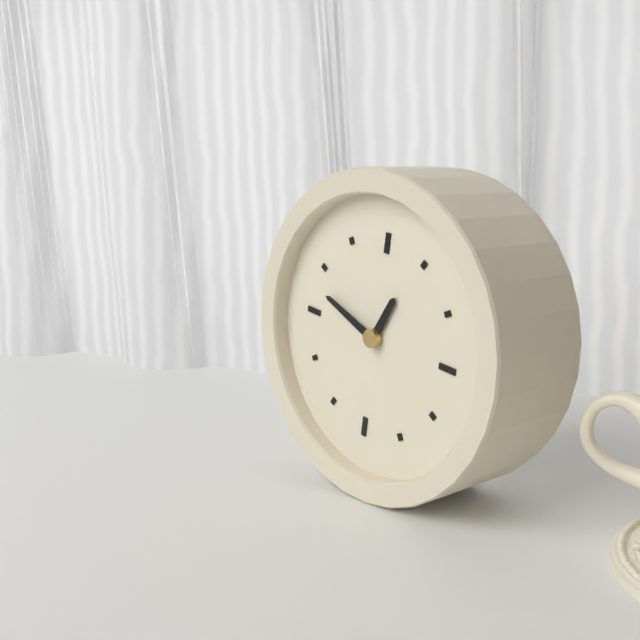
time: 12:48
